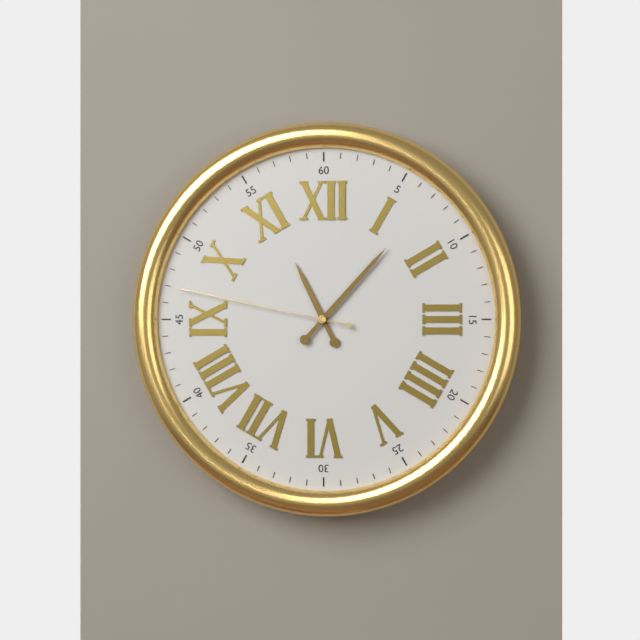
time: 11:07:47
